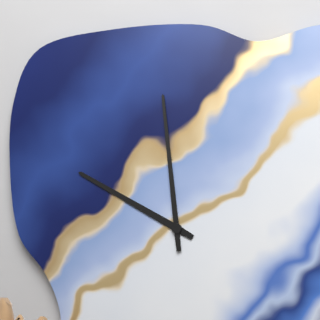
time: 9:59
